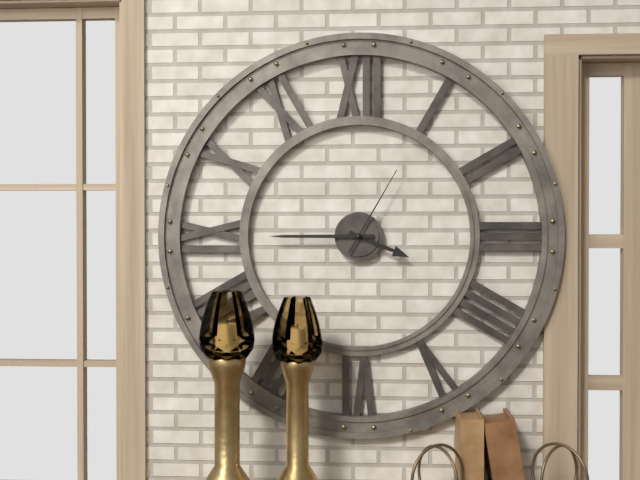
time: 3:45:05
